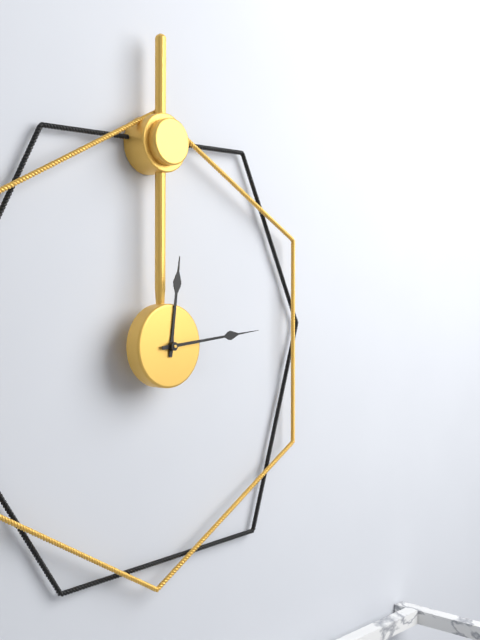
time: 12:14
